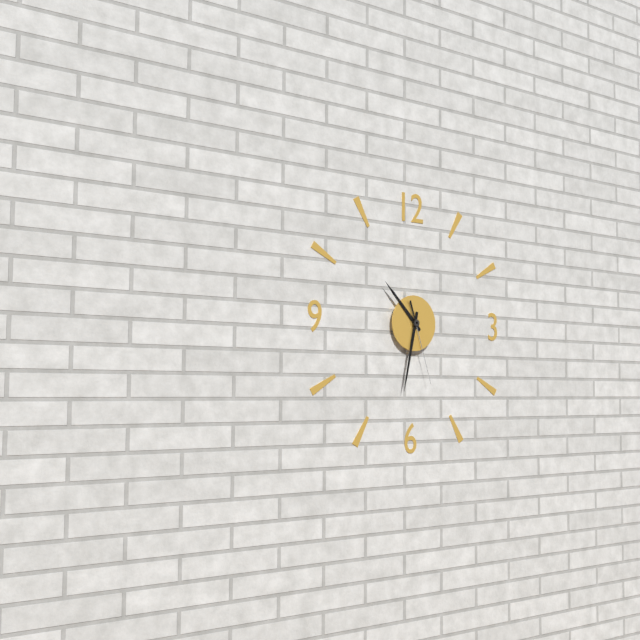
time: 10:32:27
